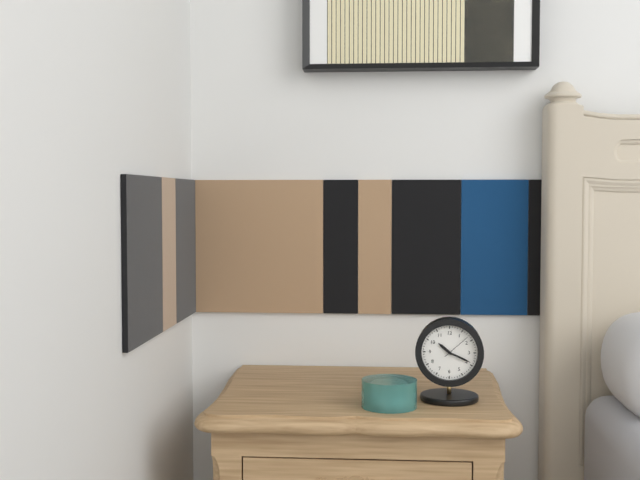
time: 10:19
